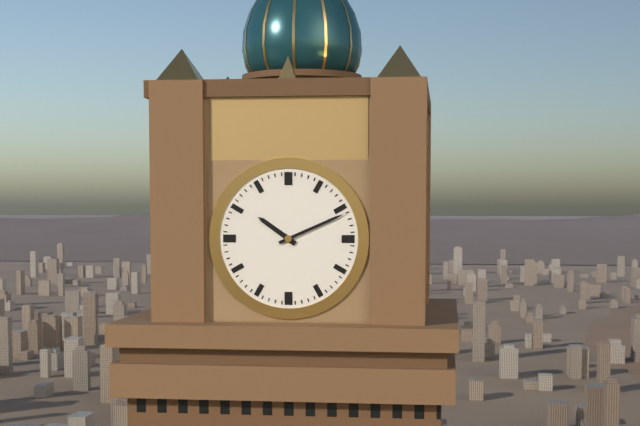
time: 10:11
